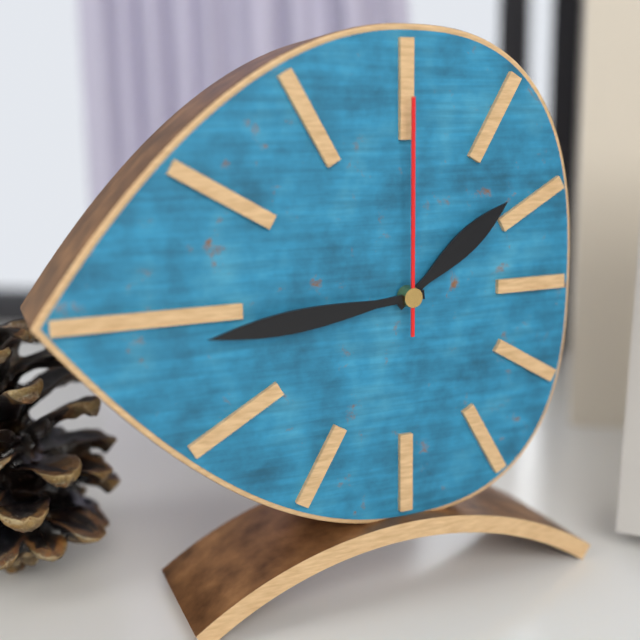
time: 1:44:00
